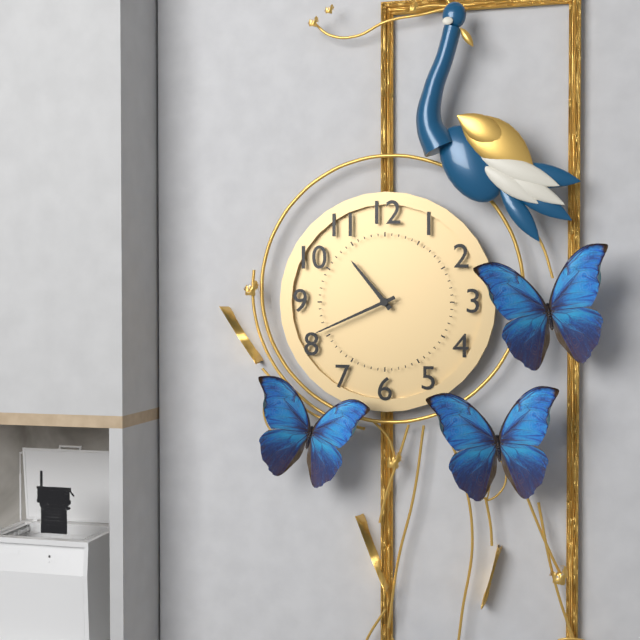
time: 10:41
